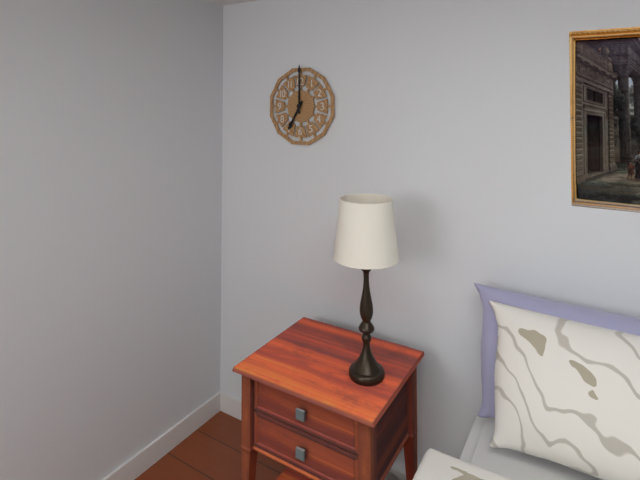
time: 7:00
